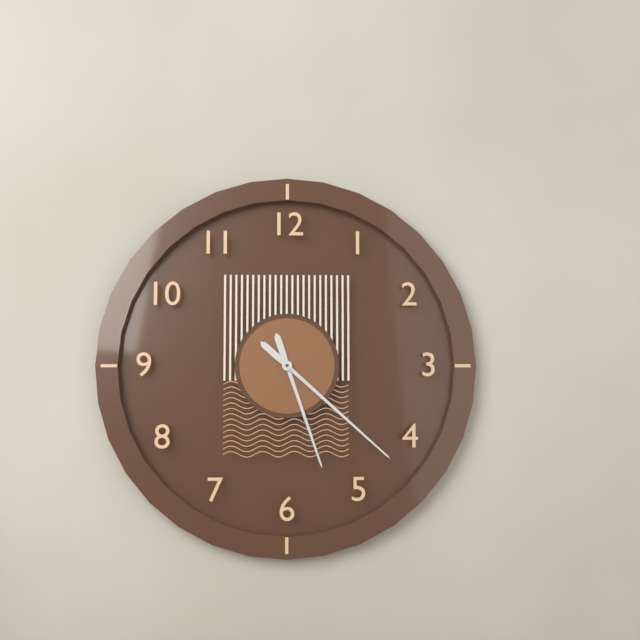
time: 5:22
